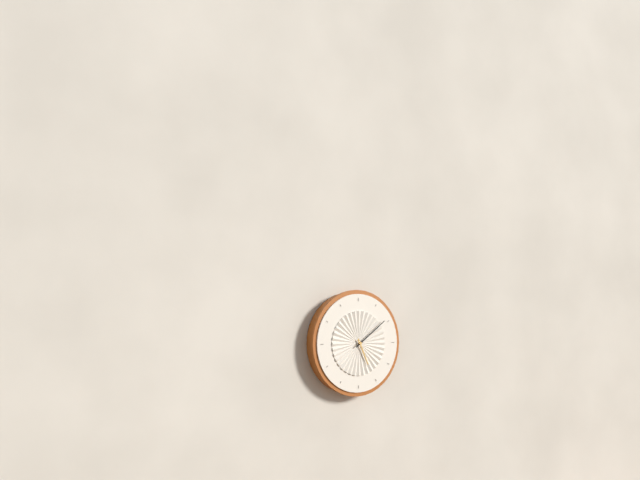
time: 5:09
